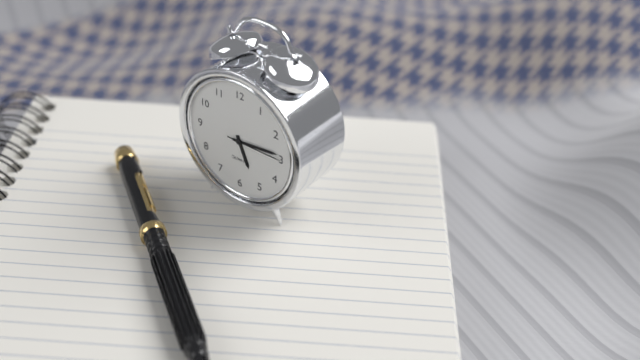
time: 5:14:15
